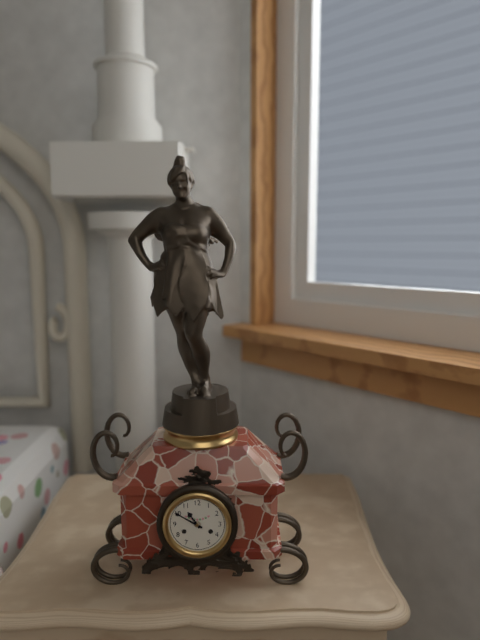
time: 10:50
